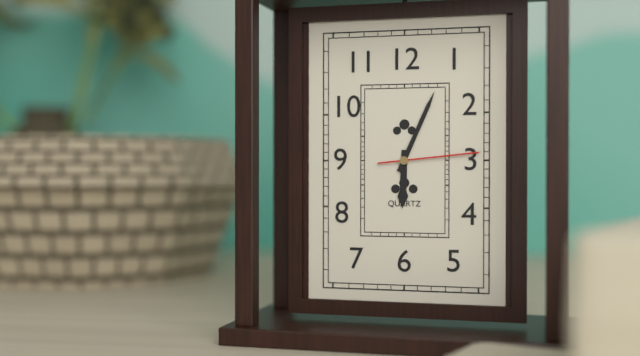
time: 6:04:14
